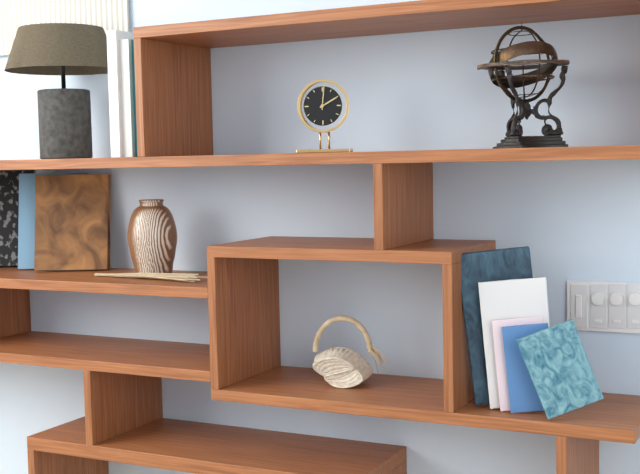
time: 2:01
